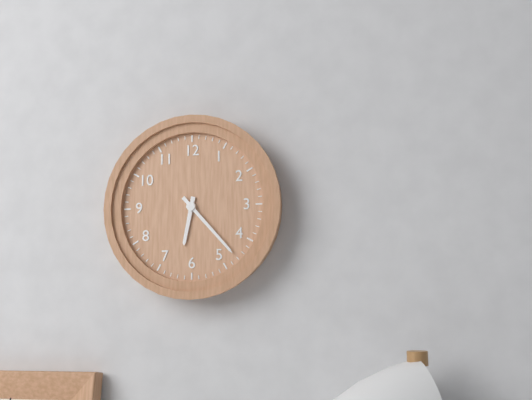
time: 6:23
